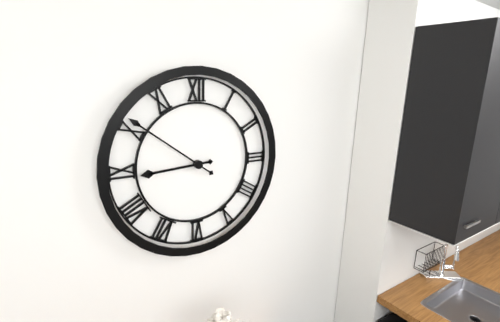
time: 8:51
